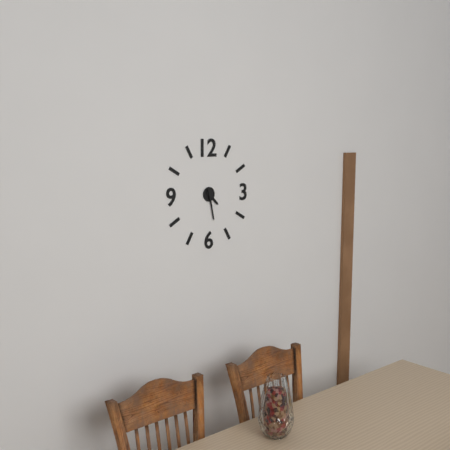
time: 4:28
